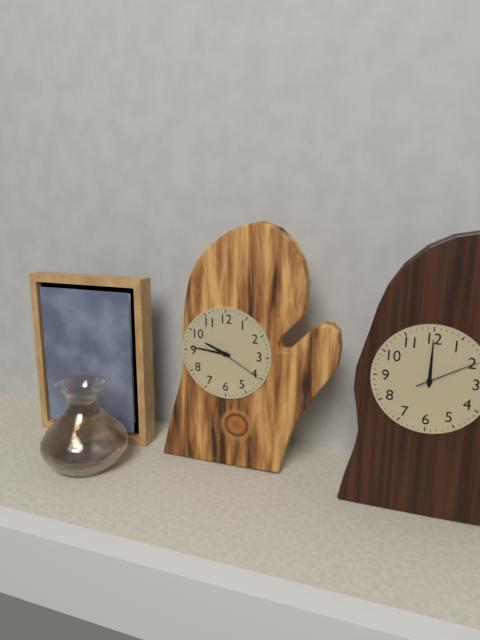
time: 9:46:20
